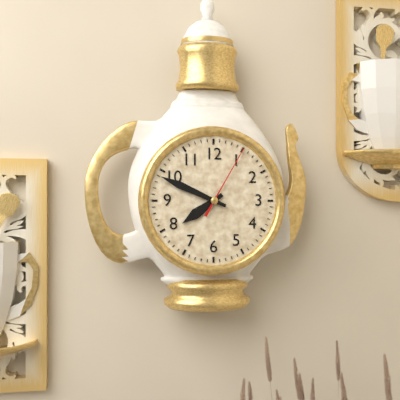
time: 7:49:05
